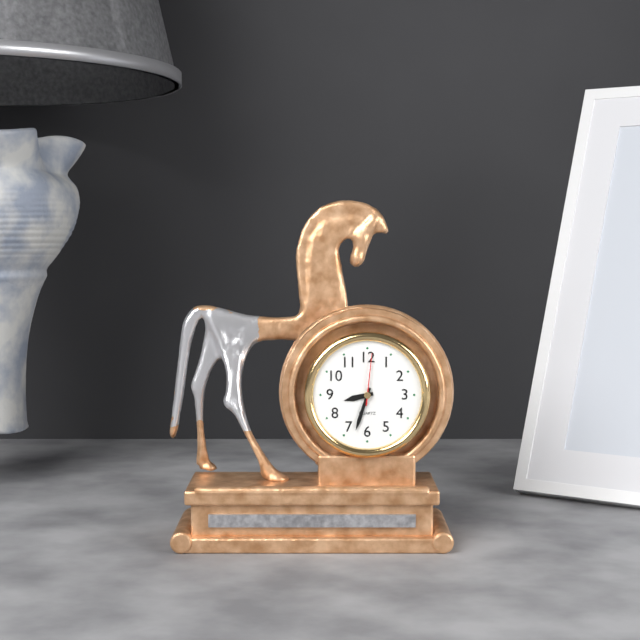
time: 8:33:01
